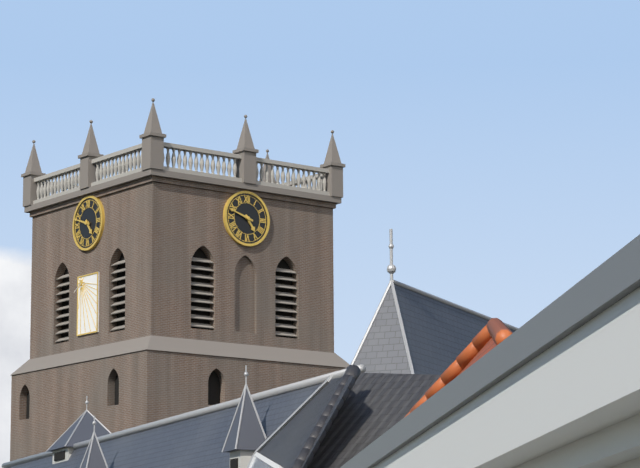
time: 4:48
